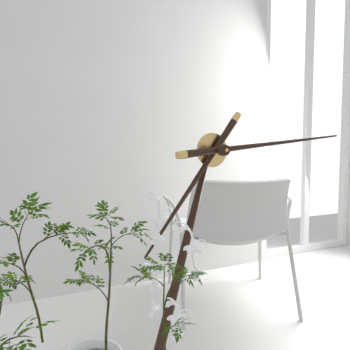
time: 7:14
